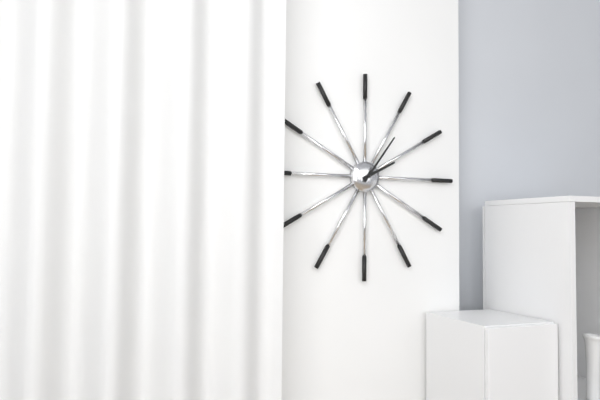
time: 2:06
